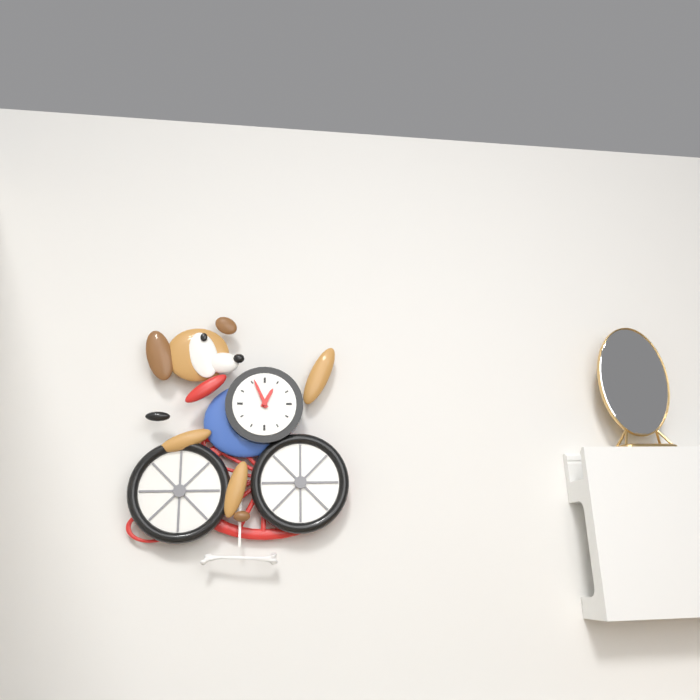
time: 12:56
